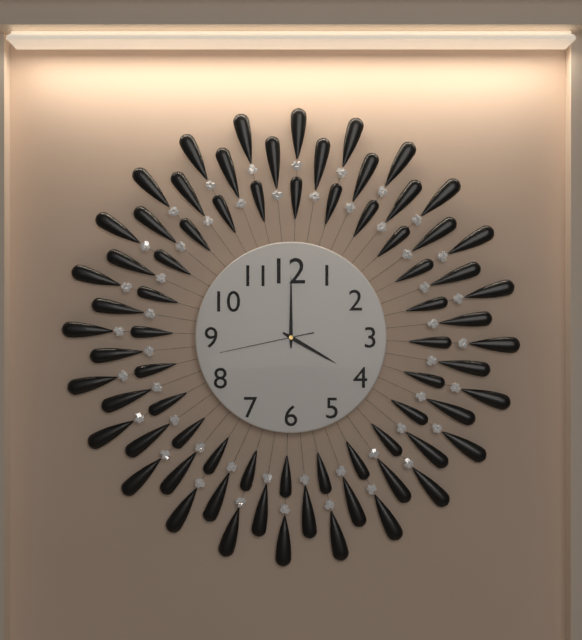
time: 4:00:43
